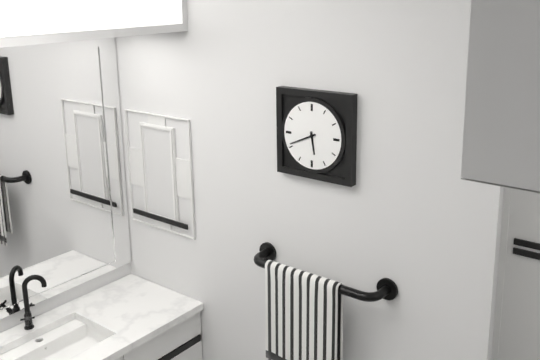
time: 5:41
